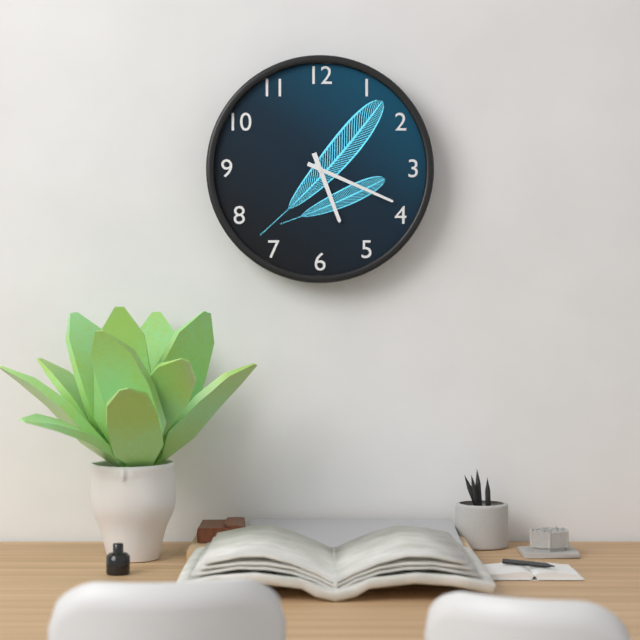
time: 5:19
